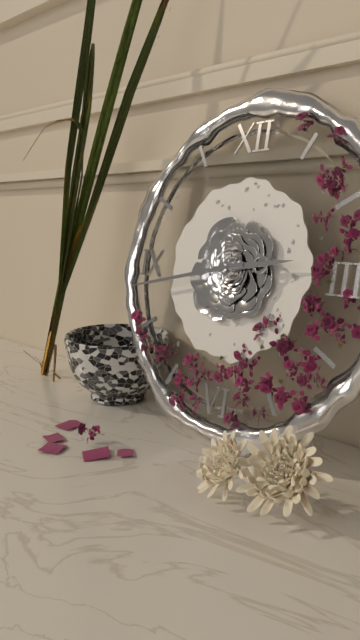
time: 2:43
